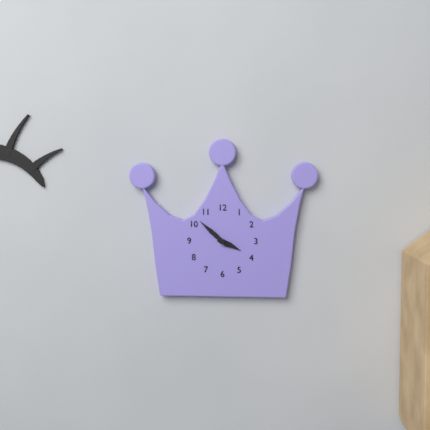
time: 3:52
